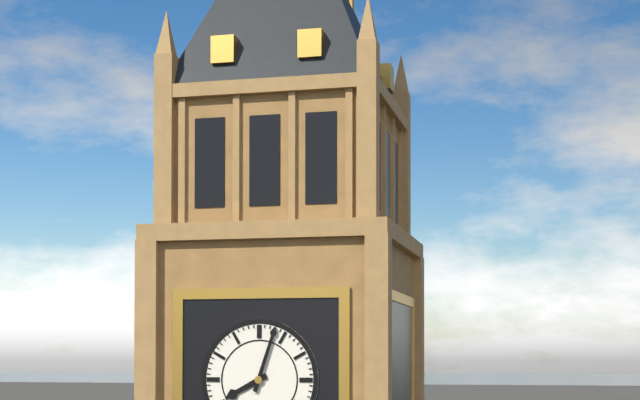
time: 8:03
